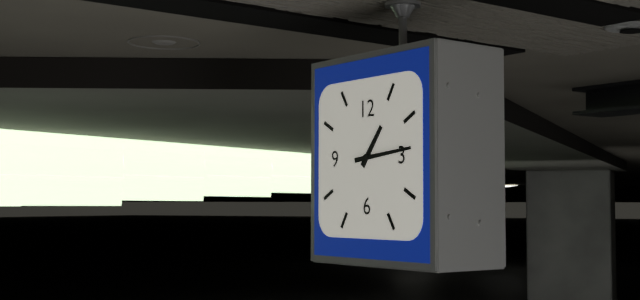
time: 1:14
